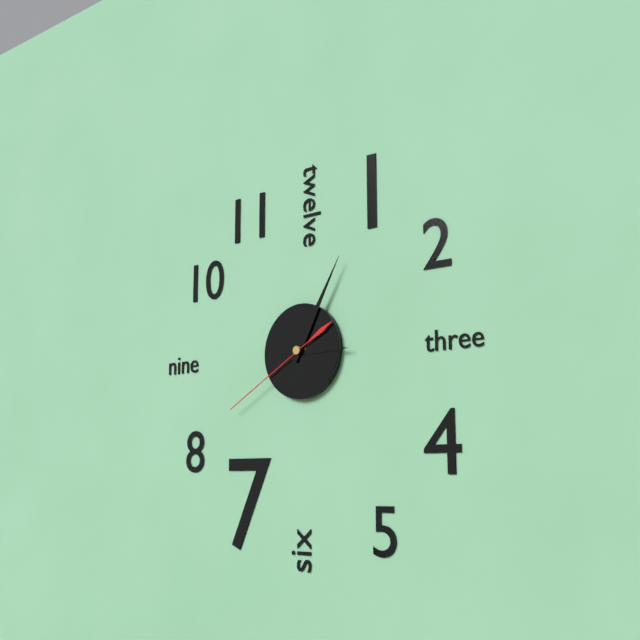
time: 3:05:40
